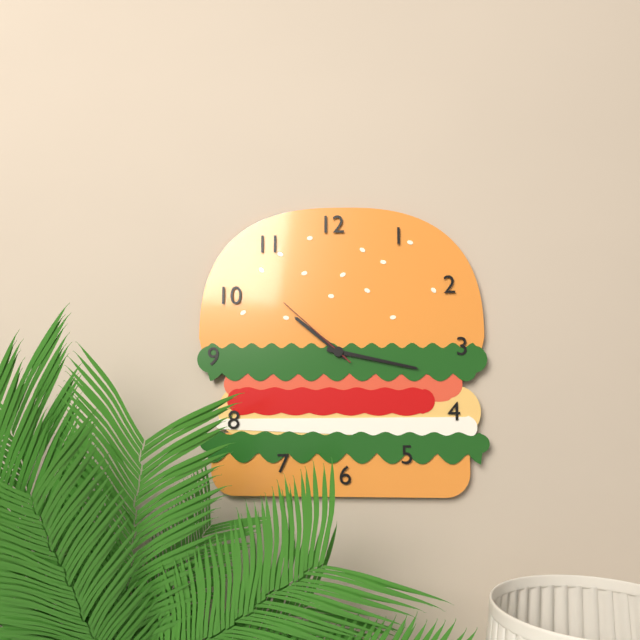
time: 10:17:52
